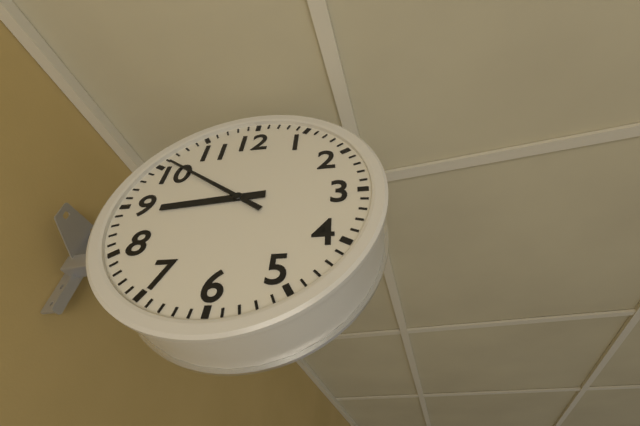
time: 8:51
